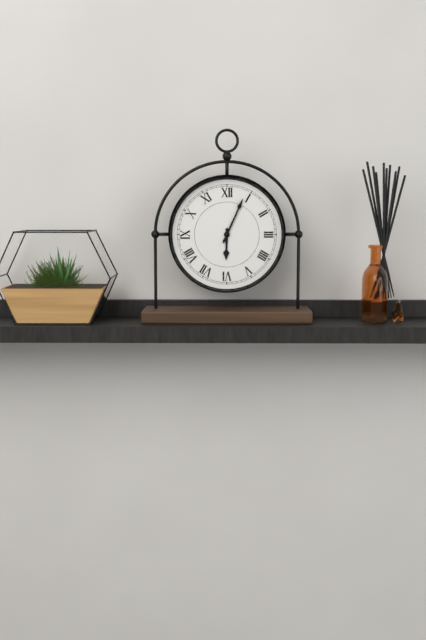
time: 6:04
